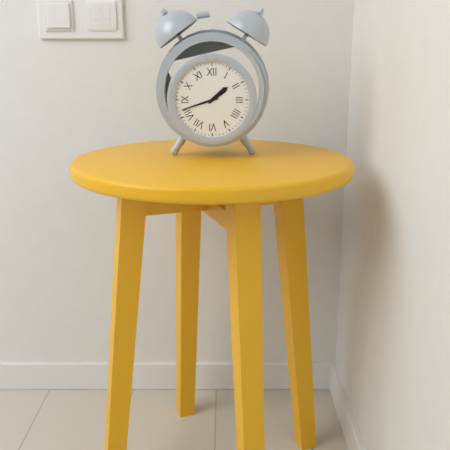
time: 1:42
